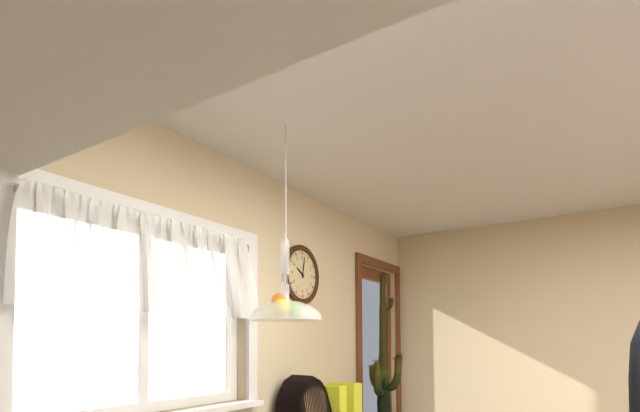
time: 10:02
